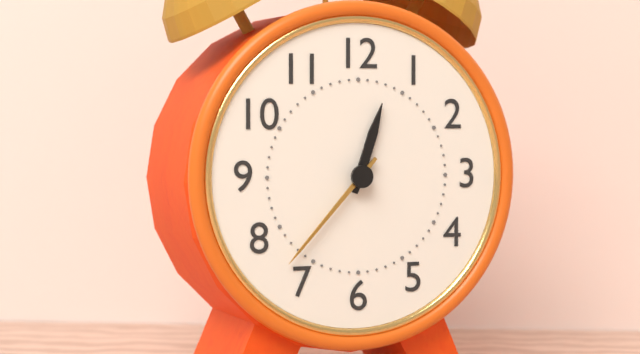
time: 12:37
